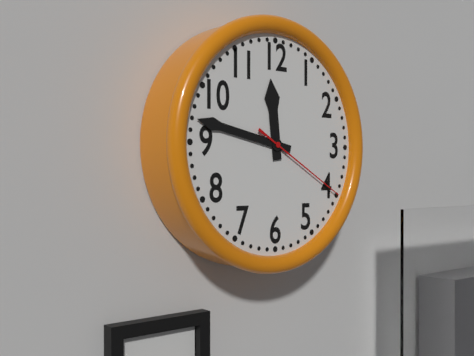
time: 11:47:20
